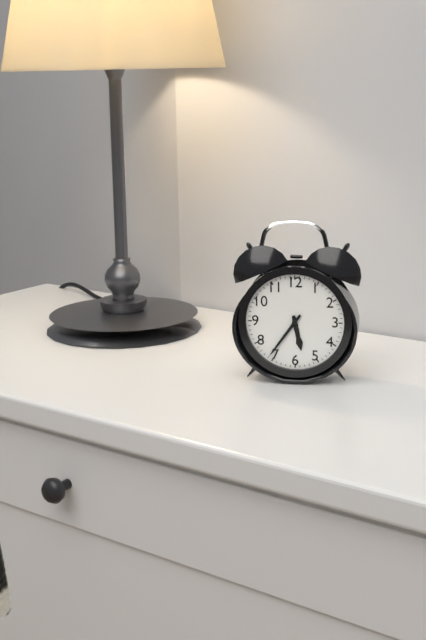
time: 5:36
